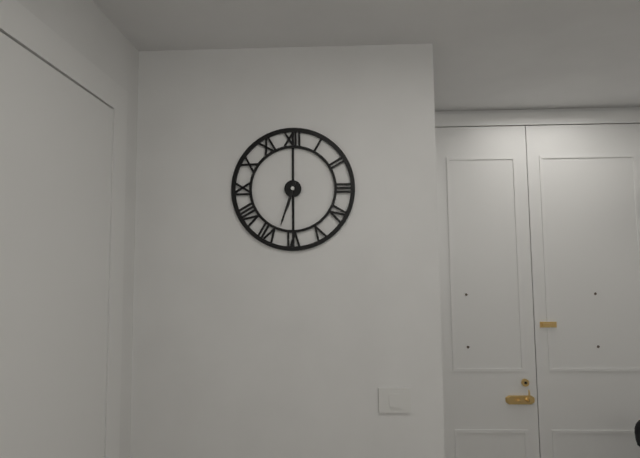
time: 6:33
